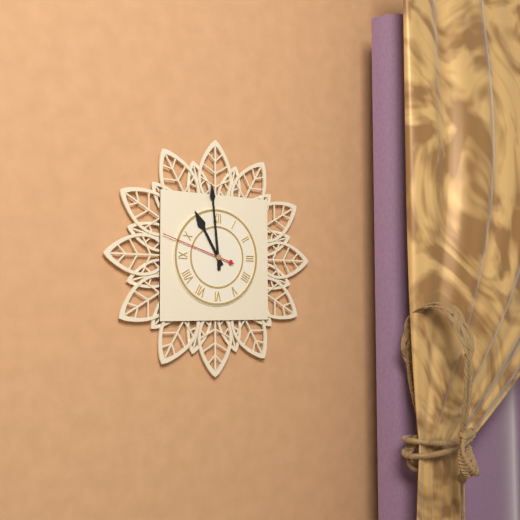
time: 10:59:48
